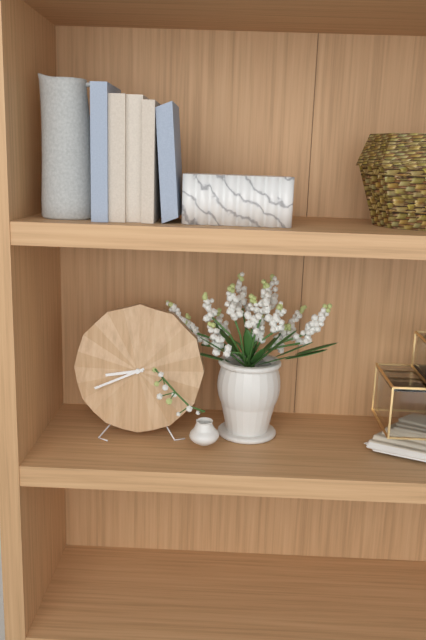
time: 8:41
